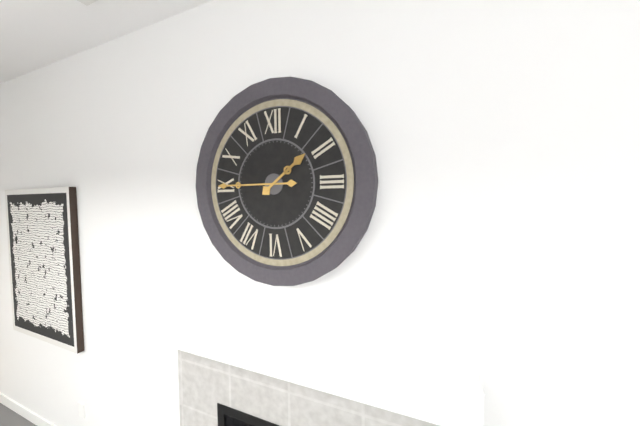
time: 1:45
